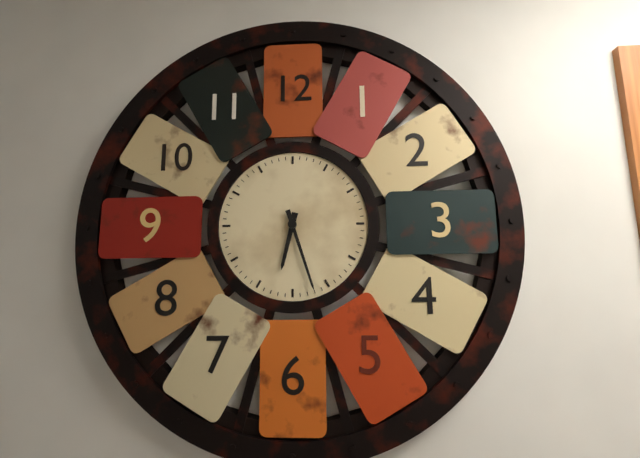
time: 6:27
